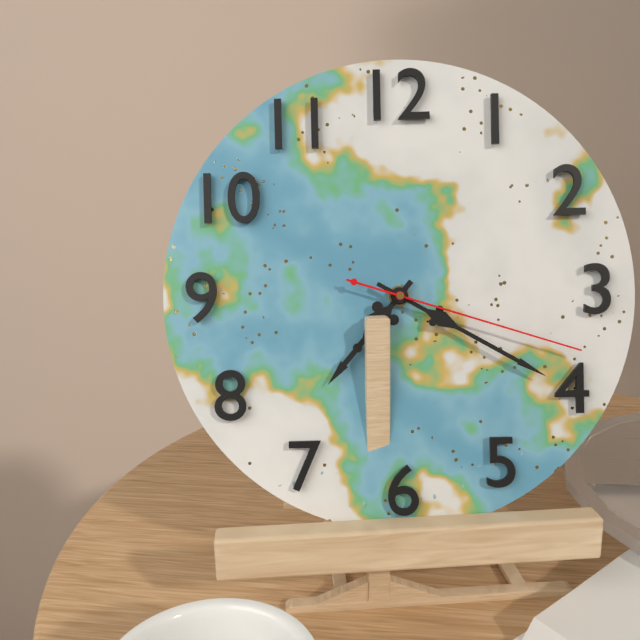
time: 7:20:18
